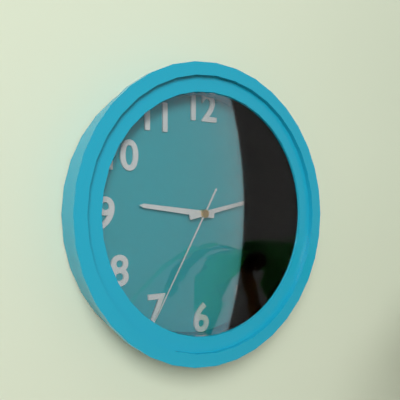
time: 9:13:35
